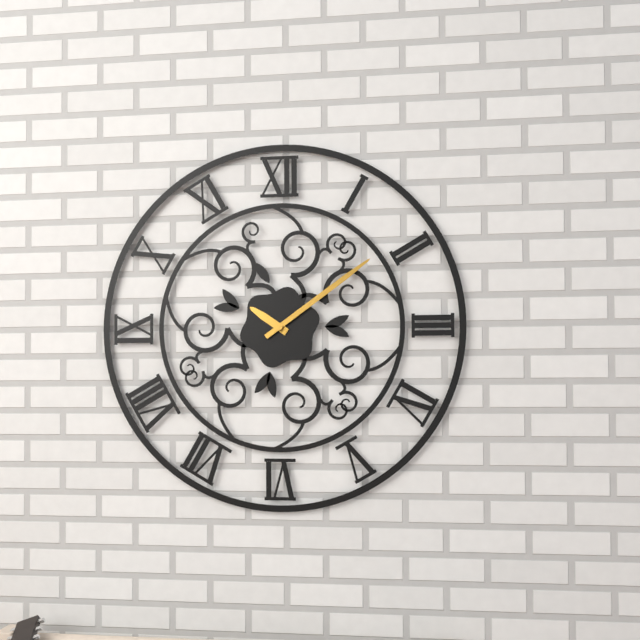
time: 10:09
